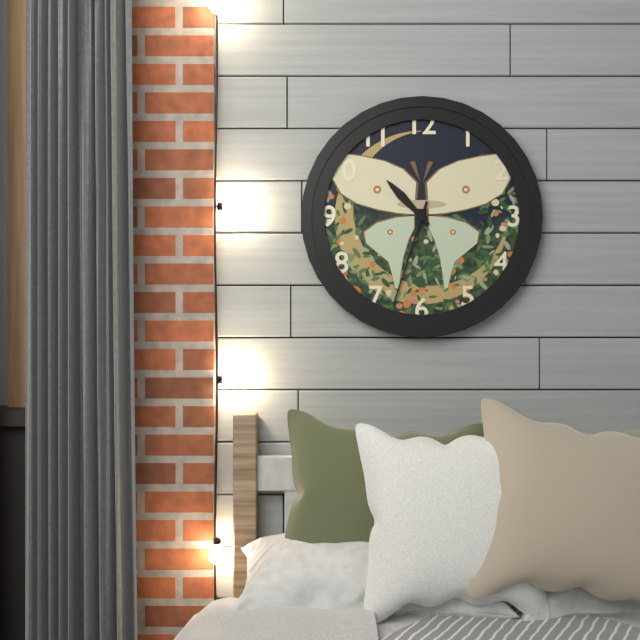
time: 10:33
